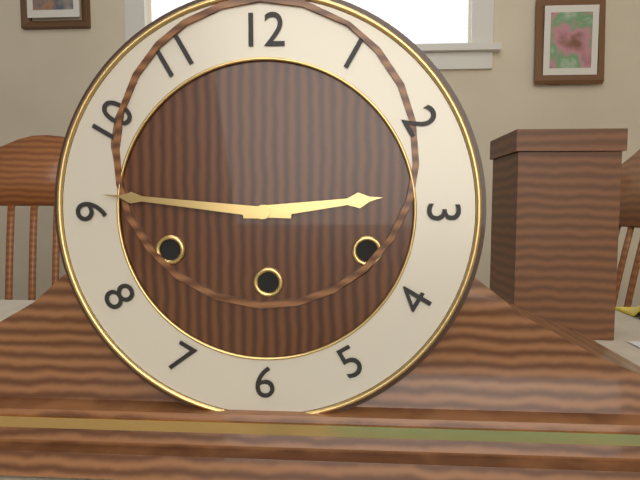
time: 2:46
